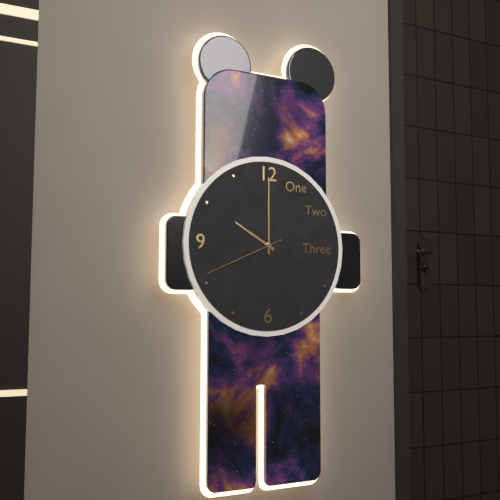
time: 10:00:41
